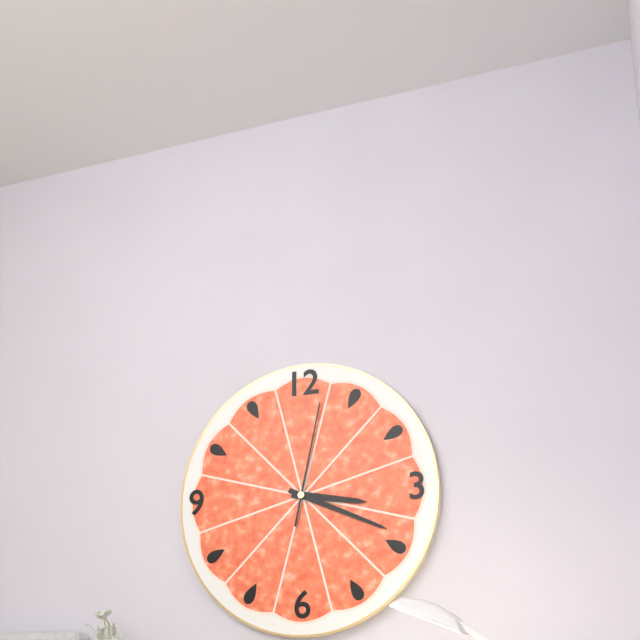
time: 3:19:02
